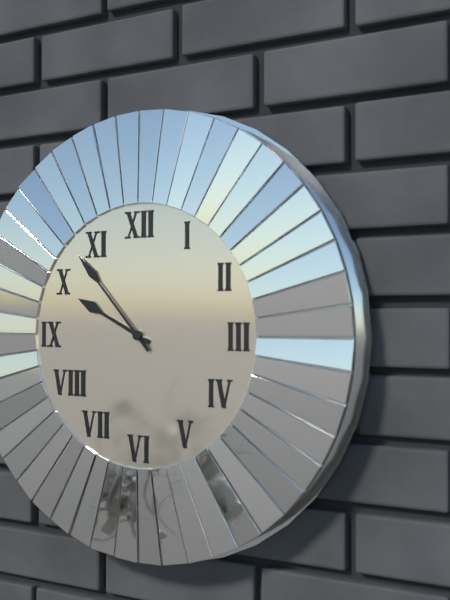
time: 9:53
